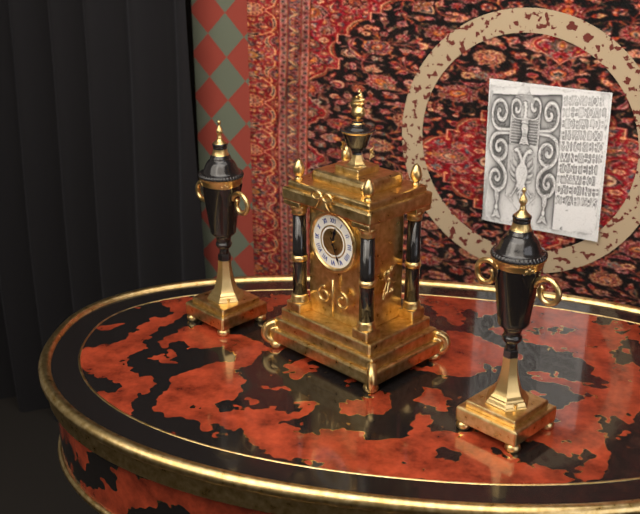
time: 12:26
